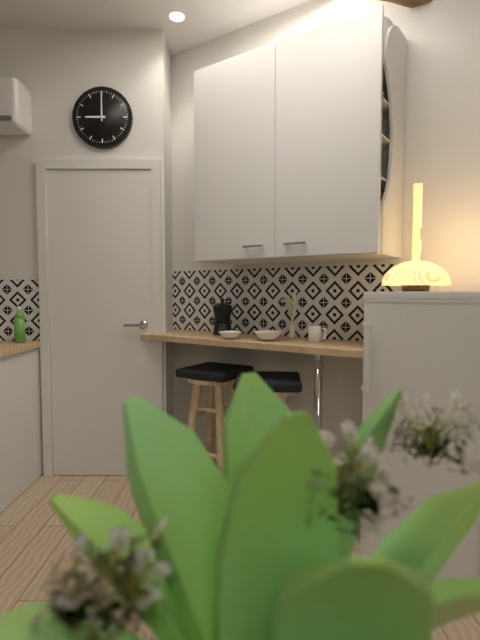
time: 9:00
